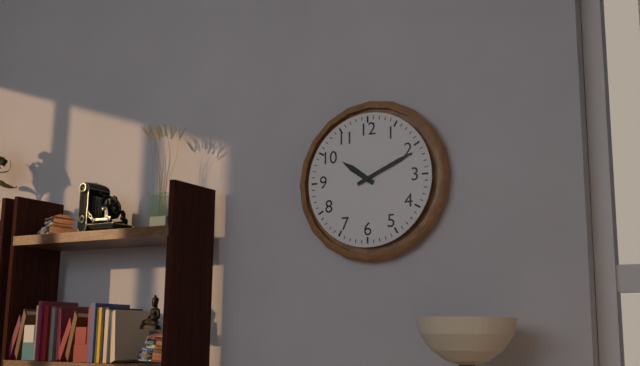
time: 10:11
